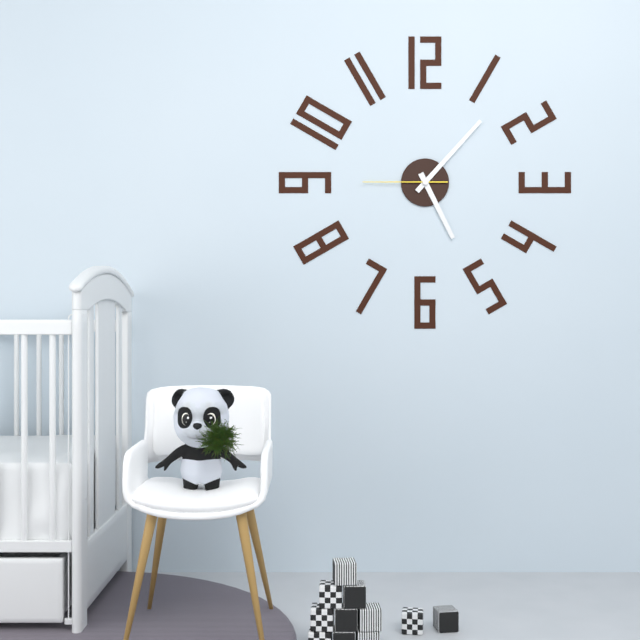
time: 5:07:45
